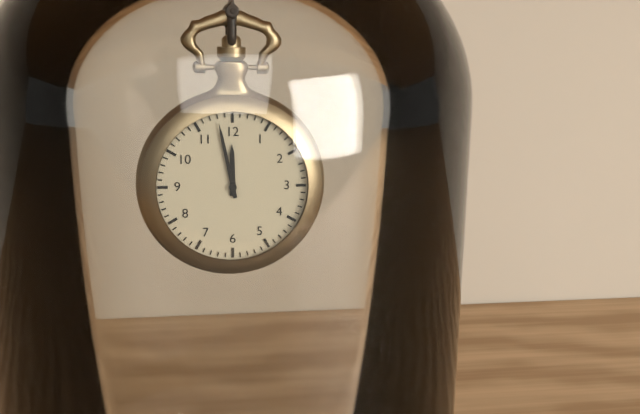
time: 11:58
